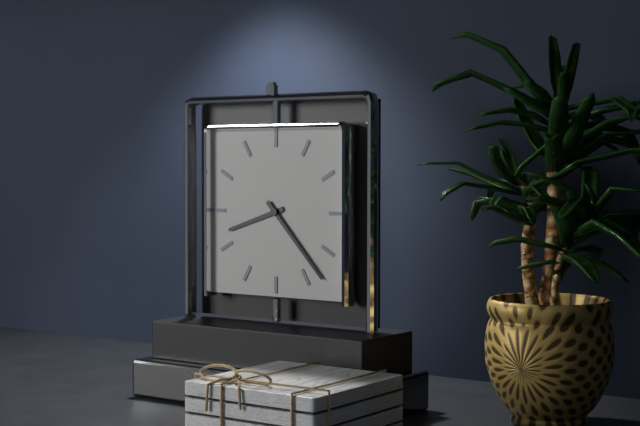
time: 8:23
